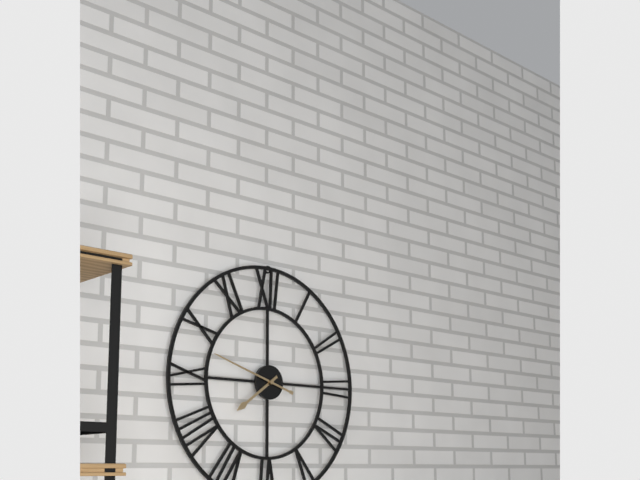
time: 7:48
